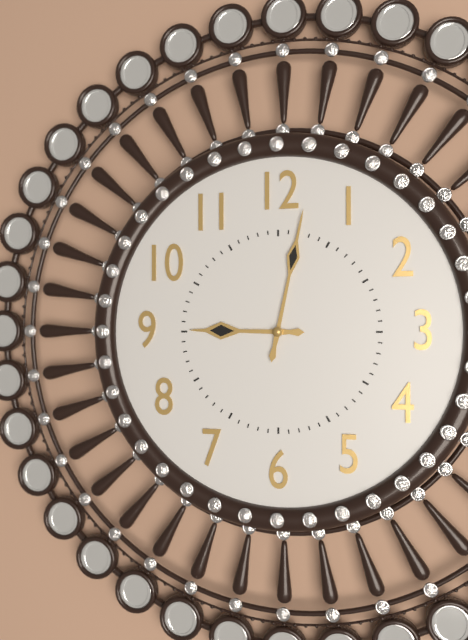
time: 9:02
